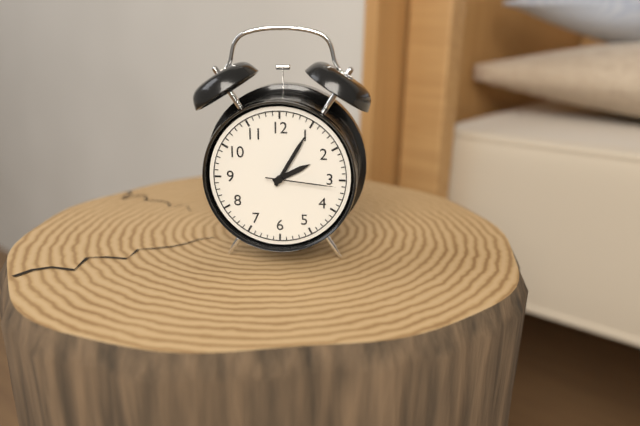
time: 2:05:16
